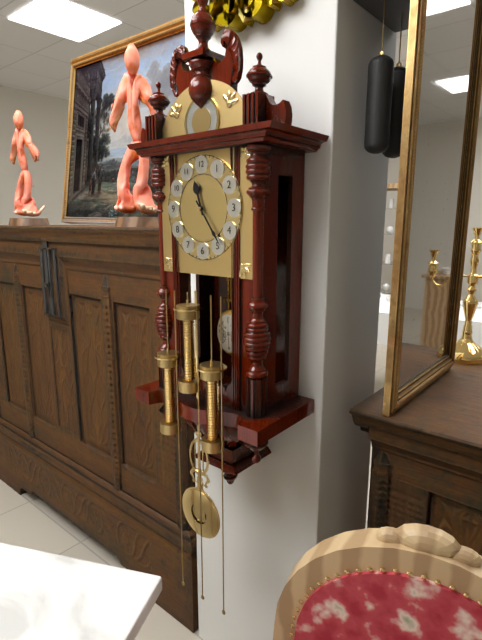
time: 11:24
